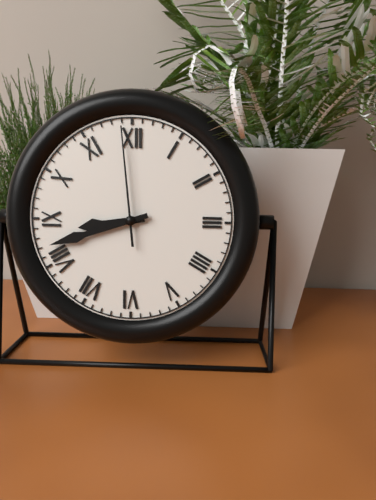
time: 8:42:59
